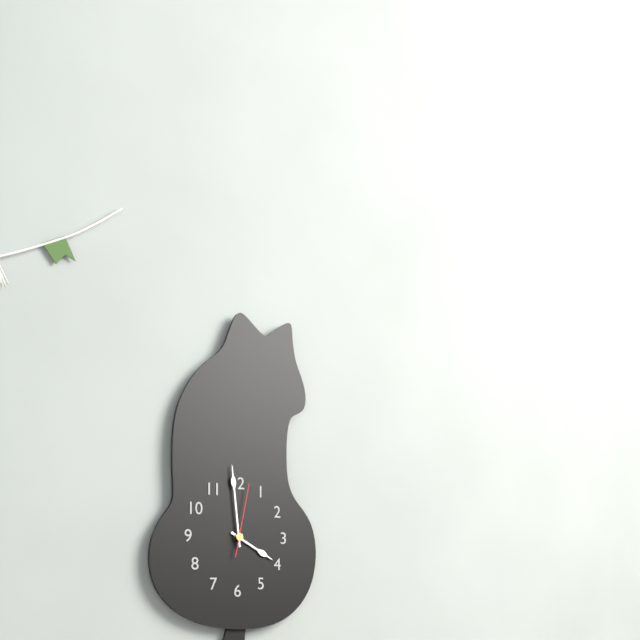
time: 3:59:02
